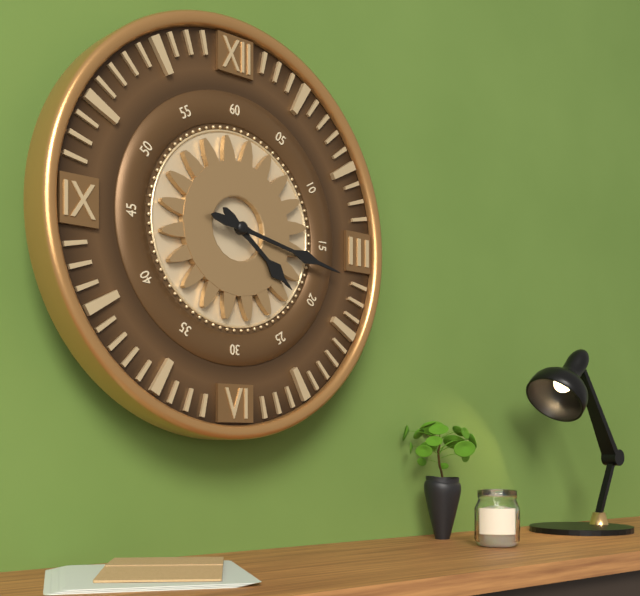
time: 4:17
